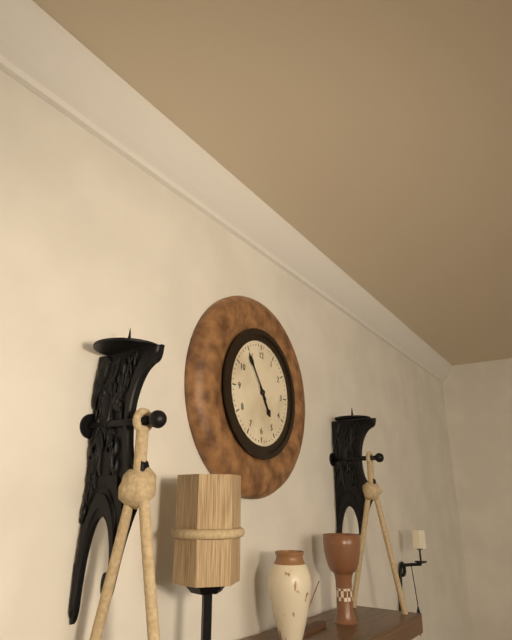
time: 4:54
